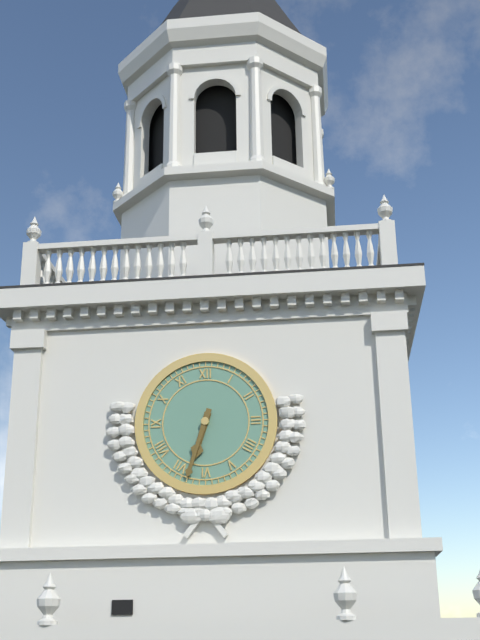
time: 6:33
